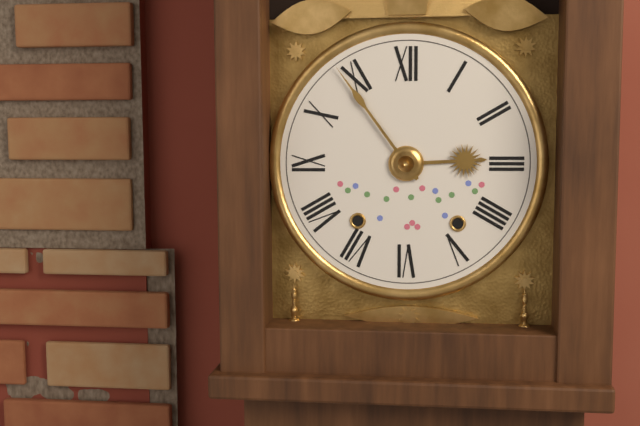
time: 2:54
